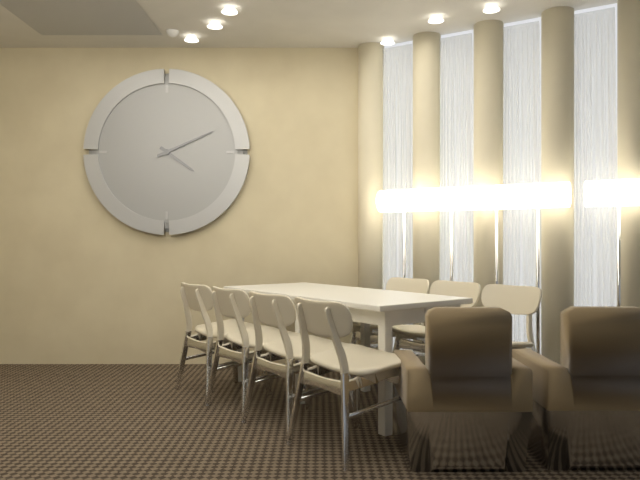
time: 4:11
